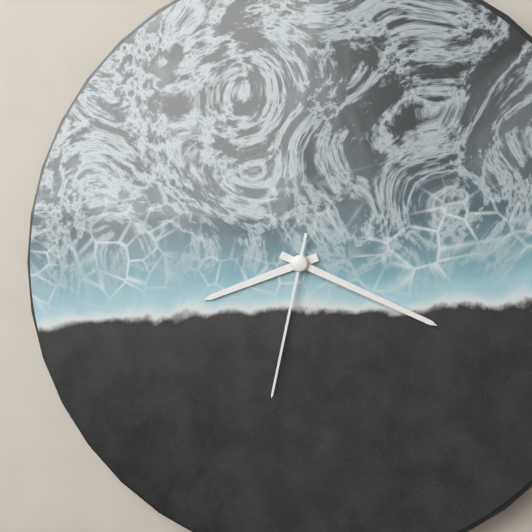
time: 8:19:32
